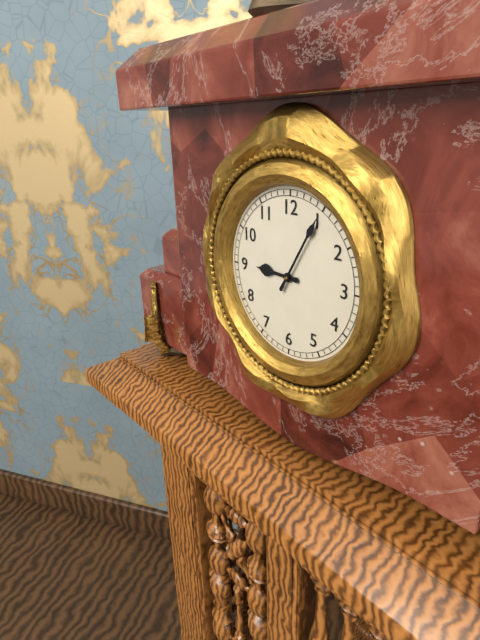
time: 9:05
